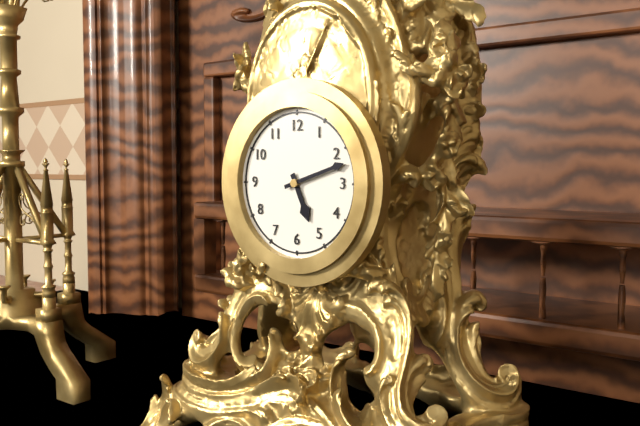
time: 5:12
